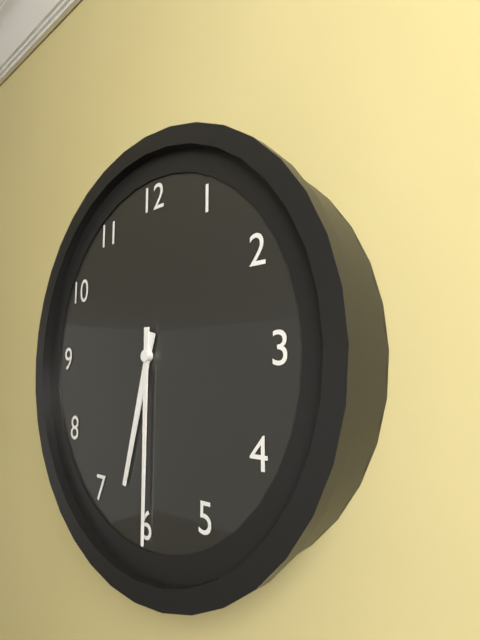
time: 6:30
